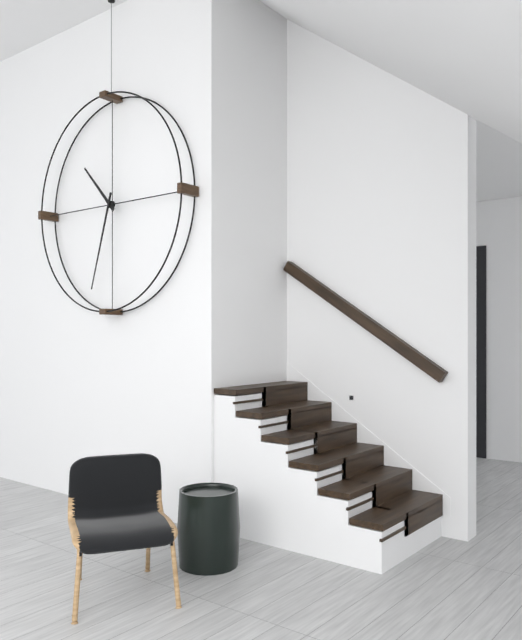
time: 10:33
